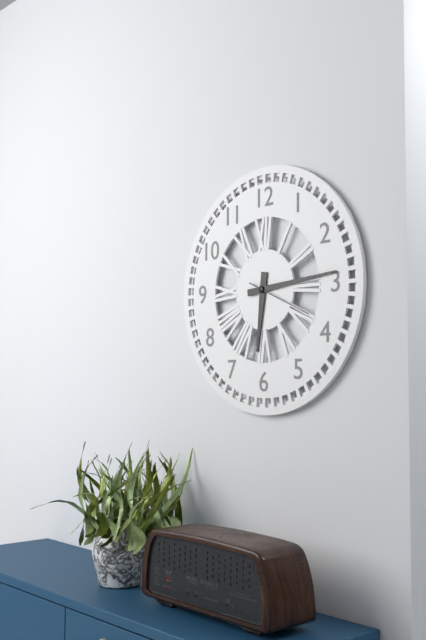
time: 6:14:19
